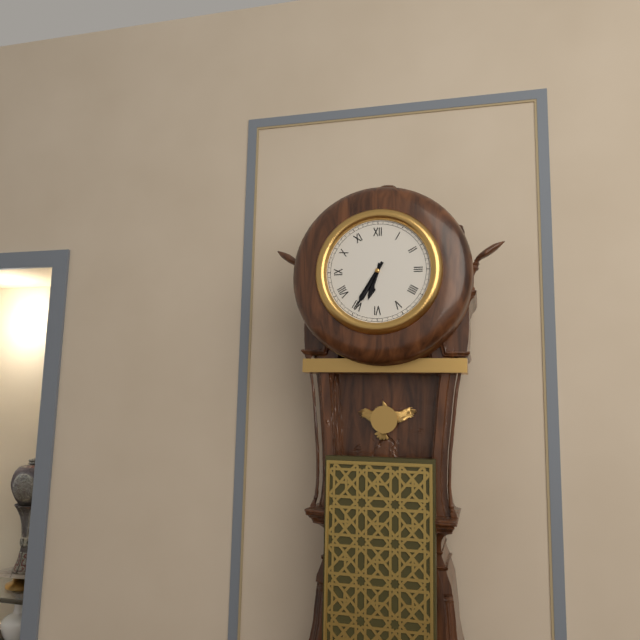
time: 6:35
